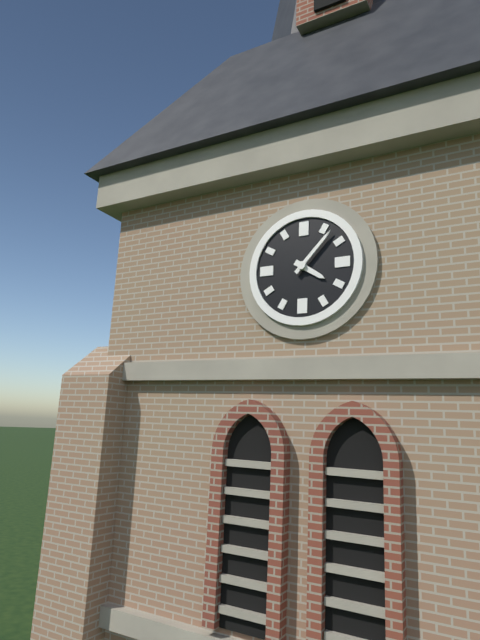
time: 4:07
